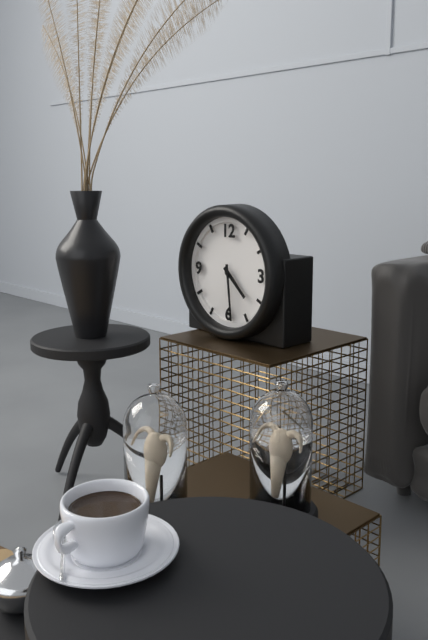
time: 4:29
